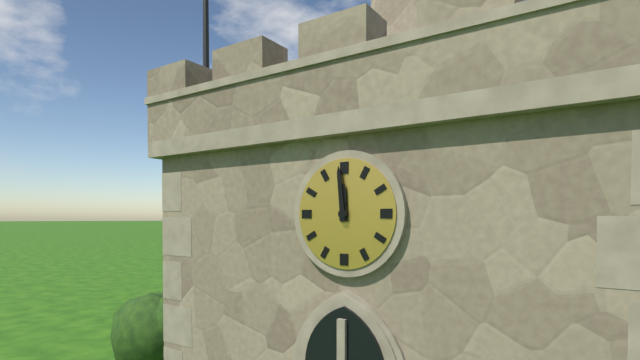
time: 11:59
